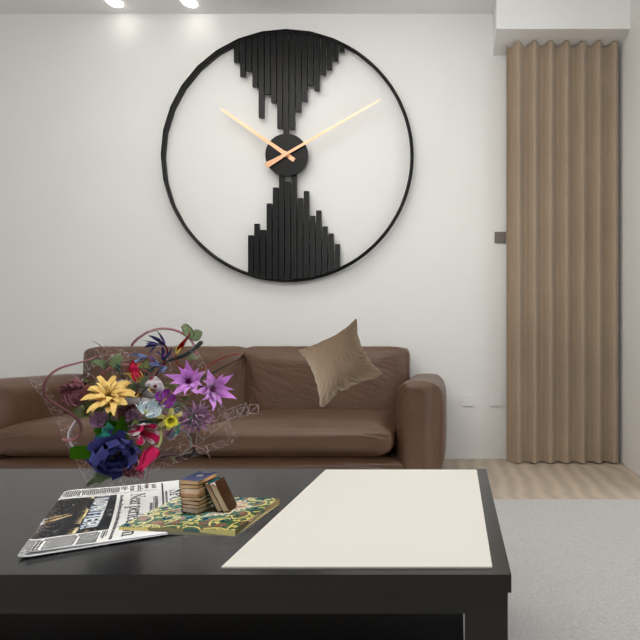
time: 10:10
